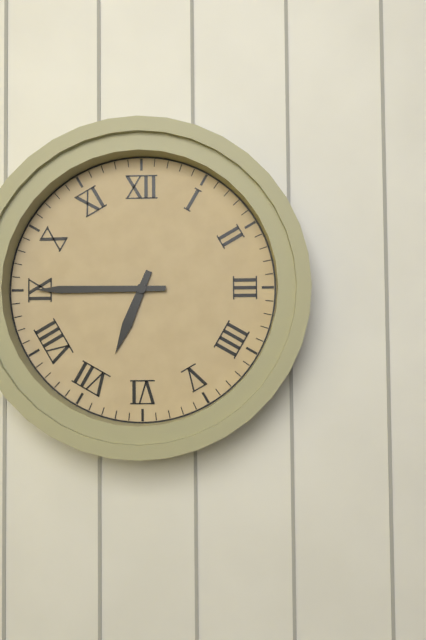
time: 6:45
